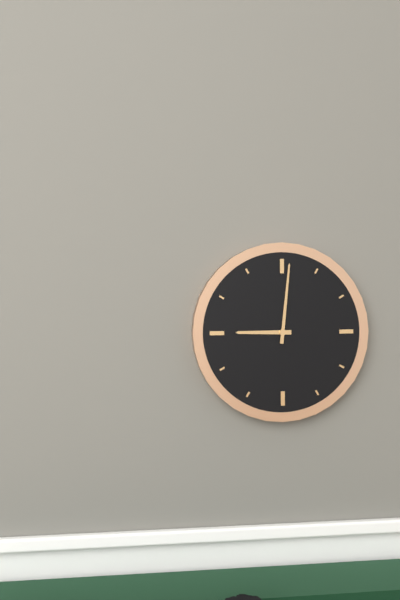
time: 9:01
